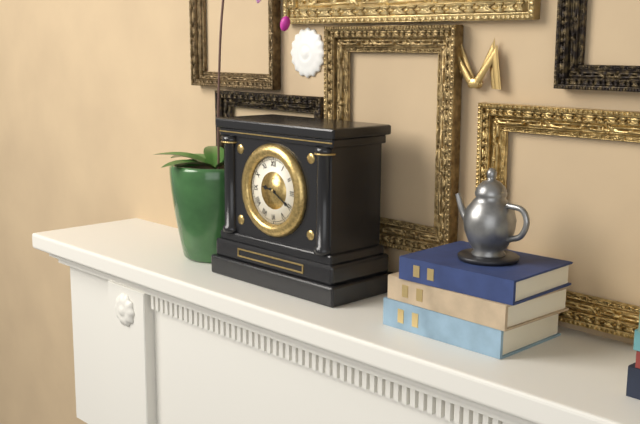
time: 9:20
